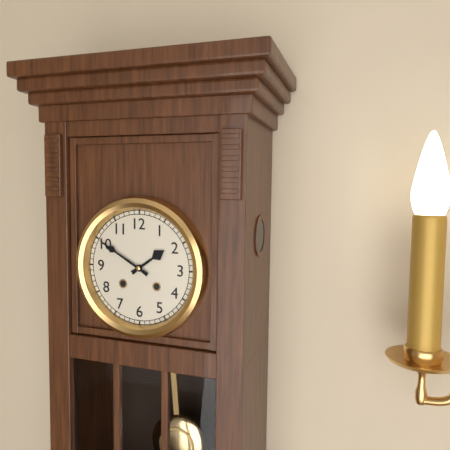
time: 1:50
